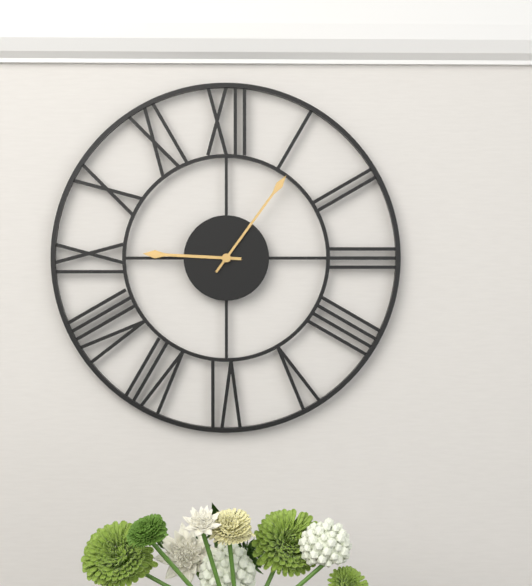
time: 9:06
